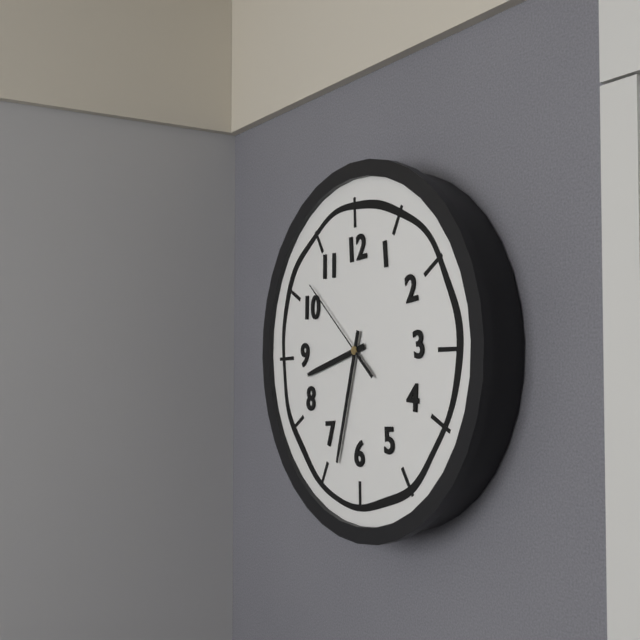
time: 8:33:52
